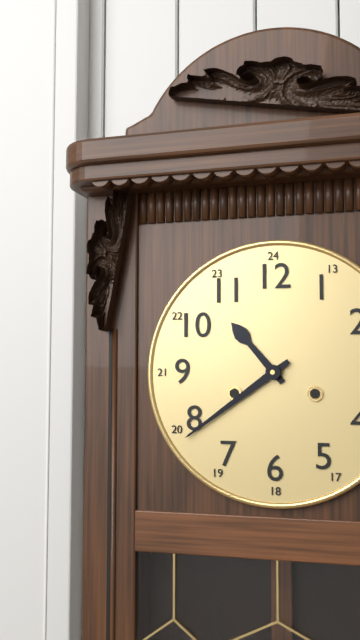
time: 10:39
